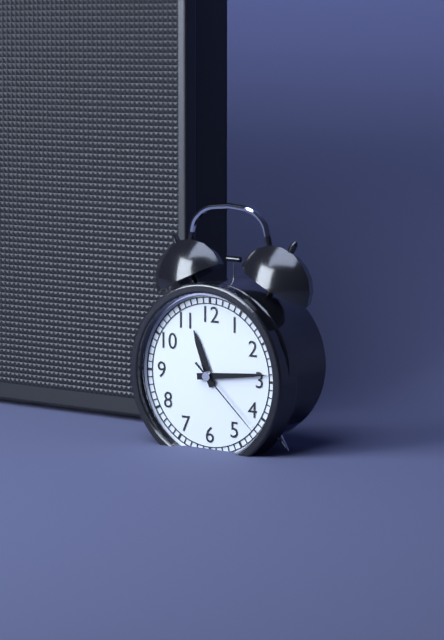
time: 11:14:22
